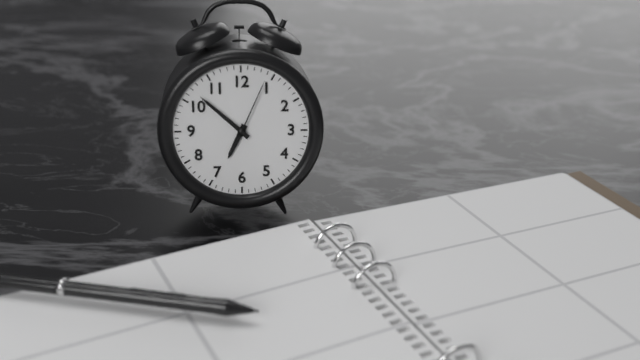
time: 6:52:04
